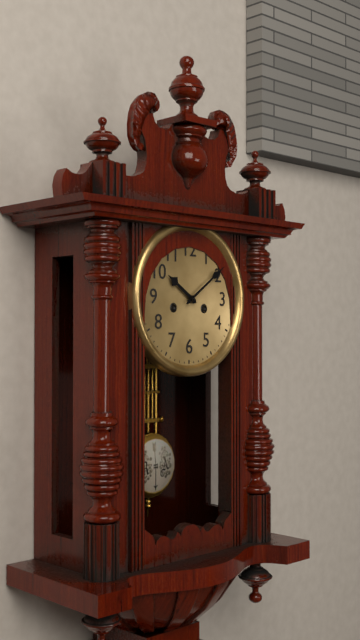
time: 10:09
